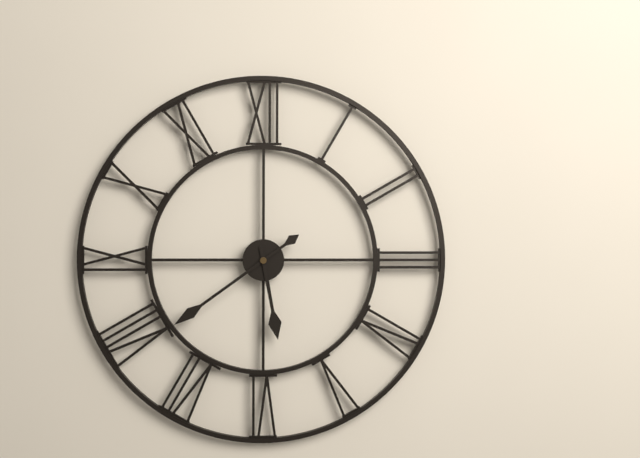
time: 5:39
